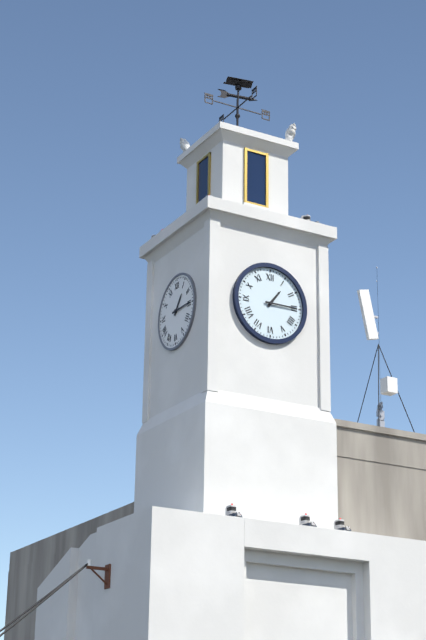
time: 1:15
